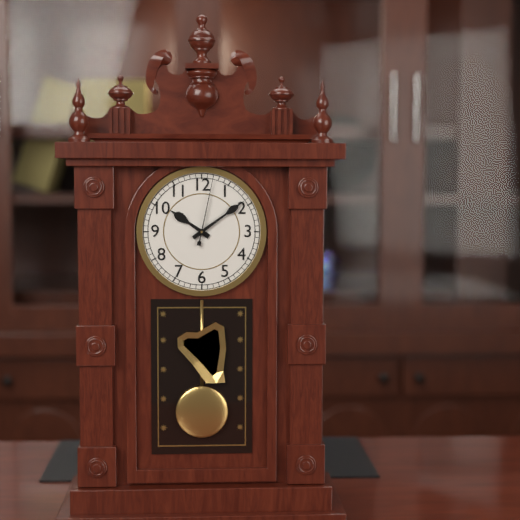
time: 10:09:02
